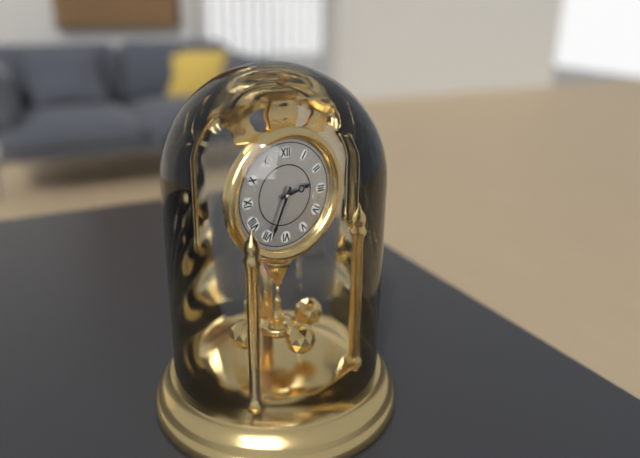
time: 2:34
